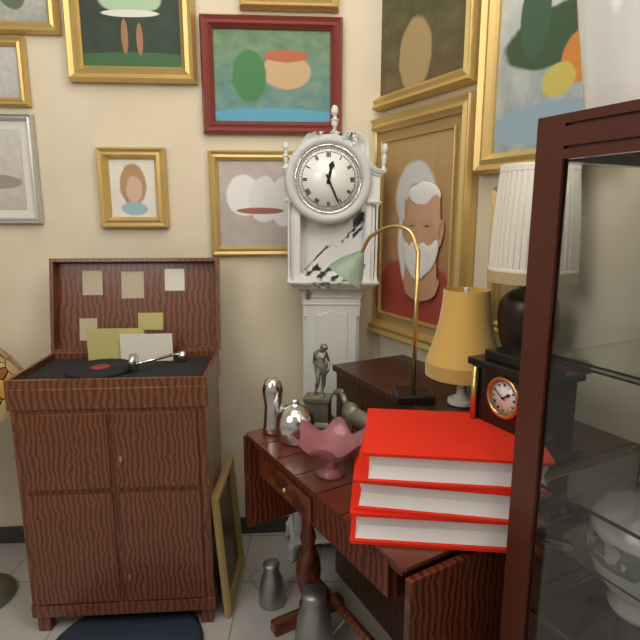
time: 12:26
